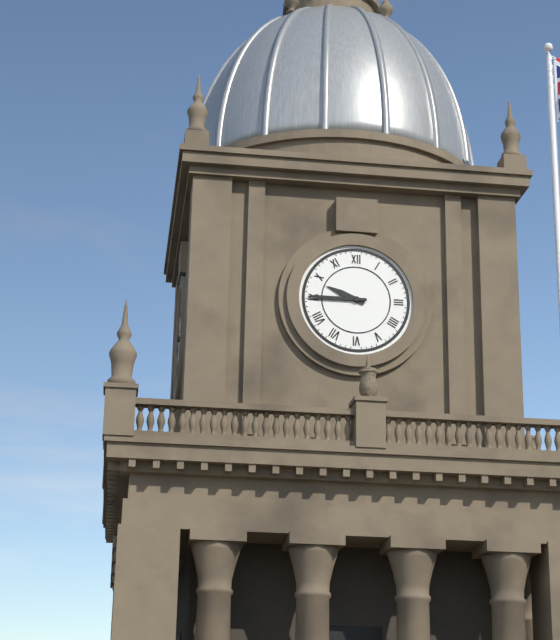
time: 9:45
